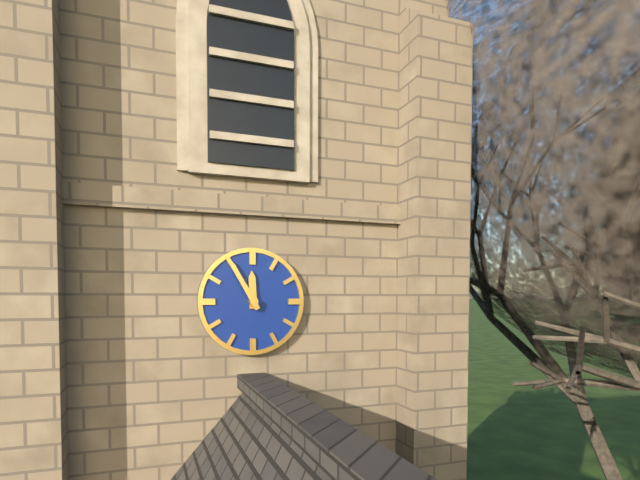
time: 11:55
